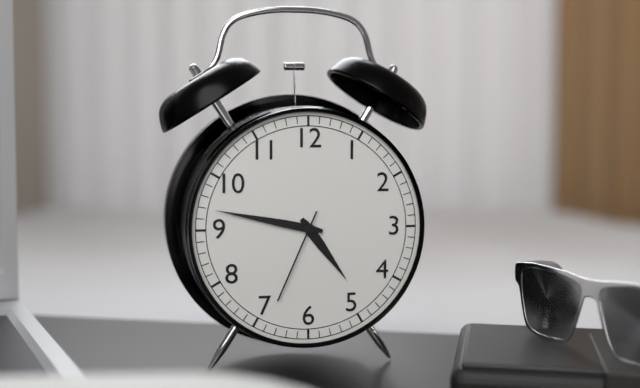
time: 4:47:34
